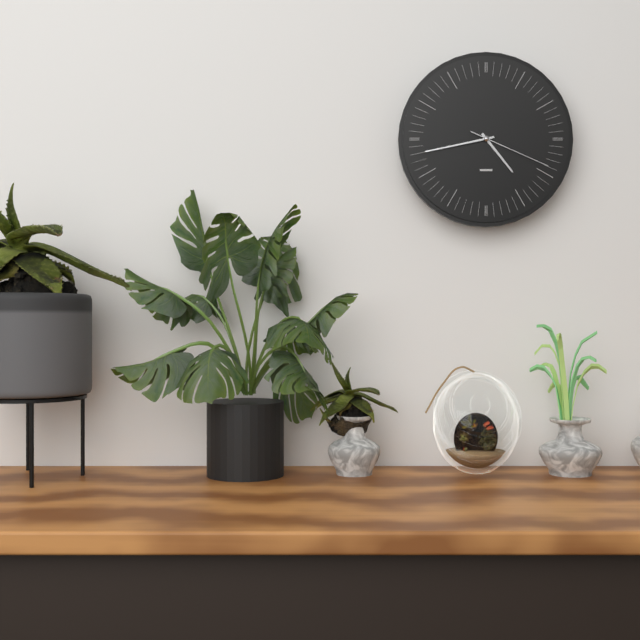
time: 4:43:19
